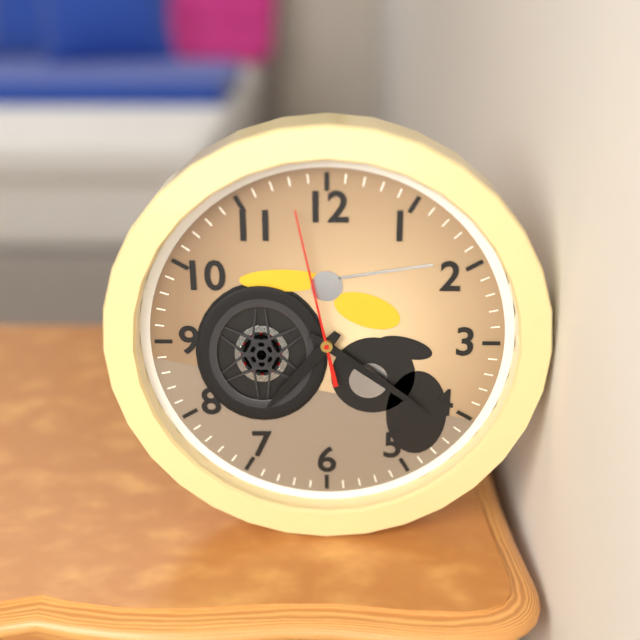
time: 7:21:58
